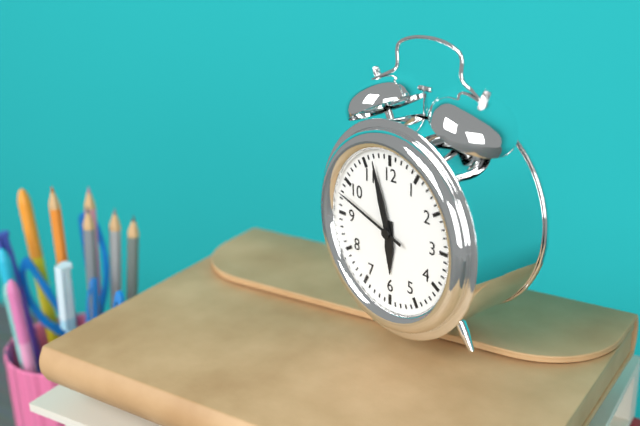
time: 5:57:48
